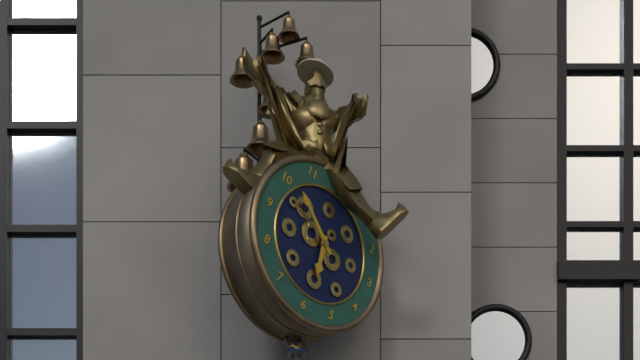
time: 5:51
